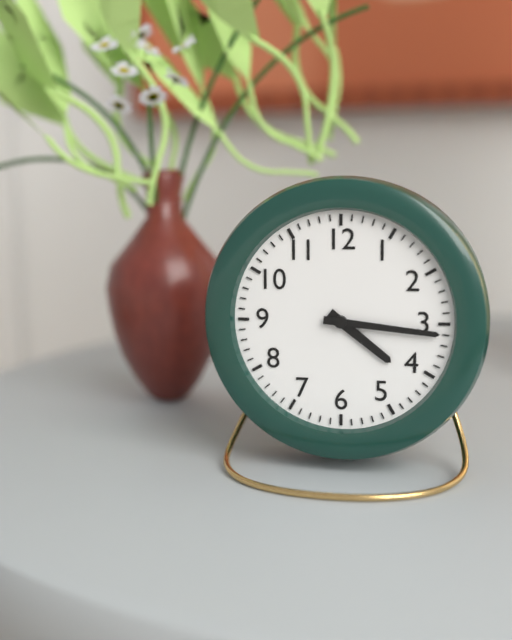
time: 4:16
